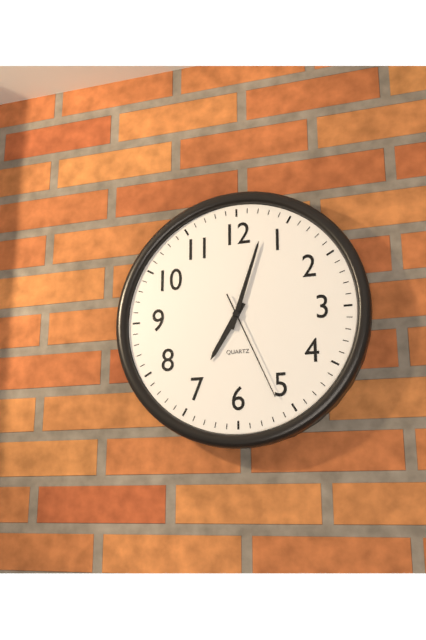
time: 7:03:26
